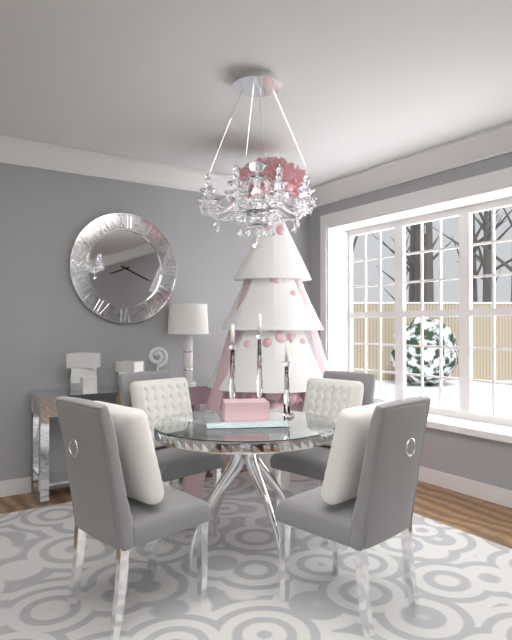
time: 8:19
